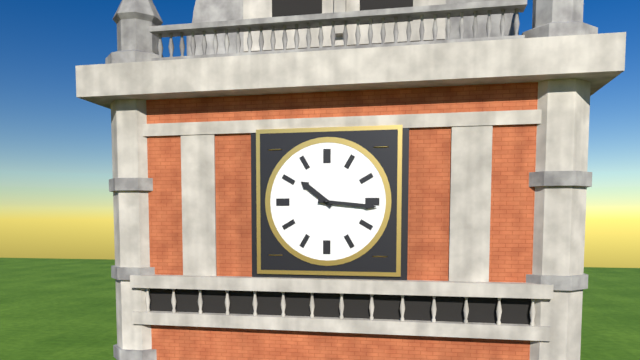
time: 10:16
